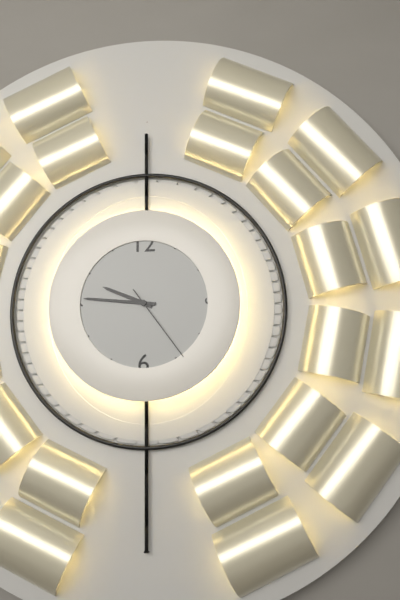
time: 9:46:24
